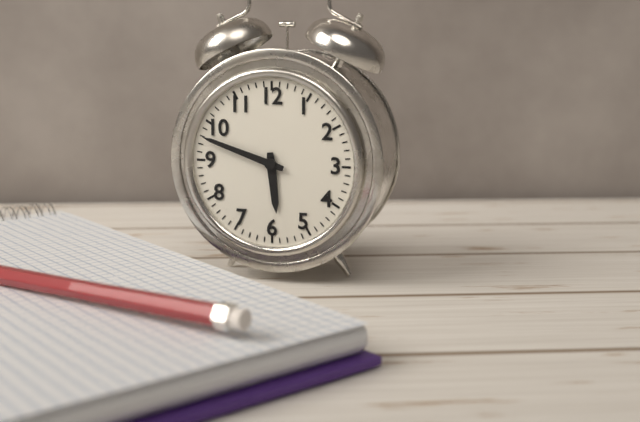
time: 5:48
